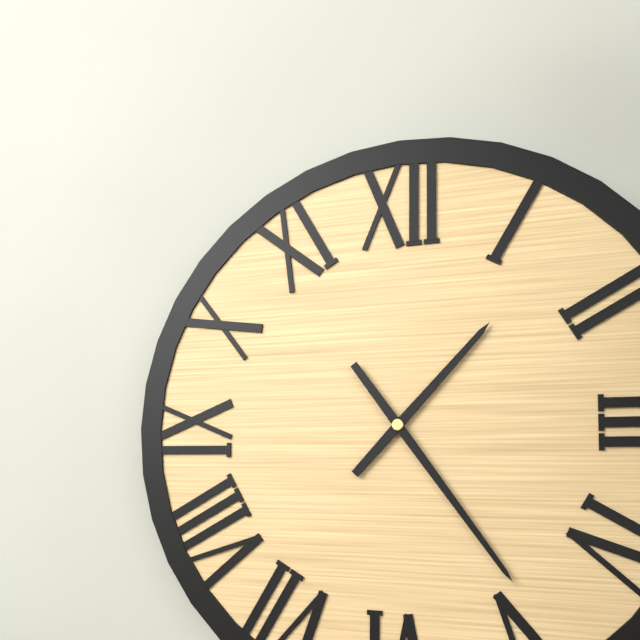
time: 1:24
